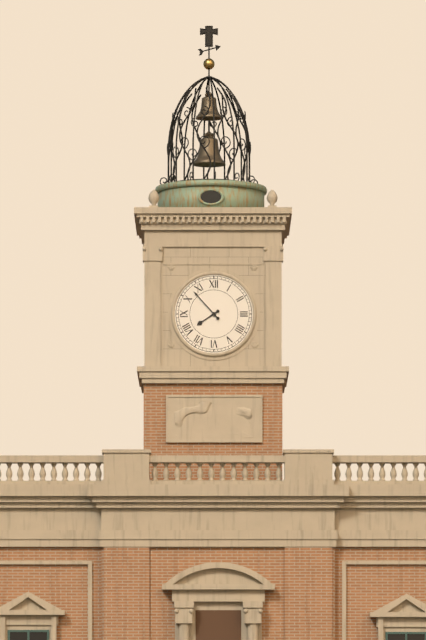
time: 7:53
